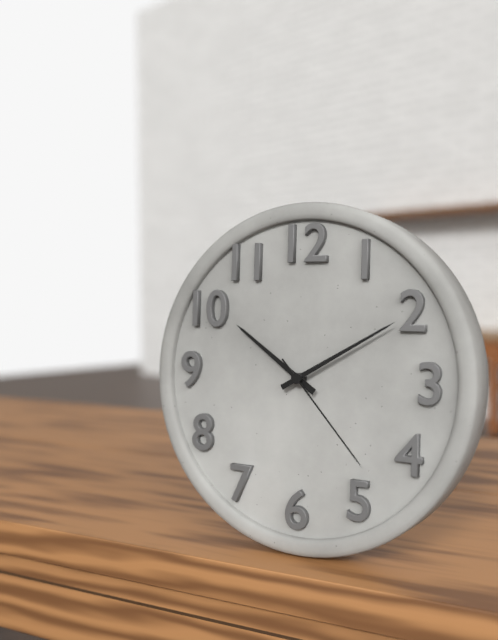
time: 10:10:23
